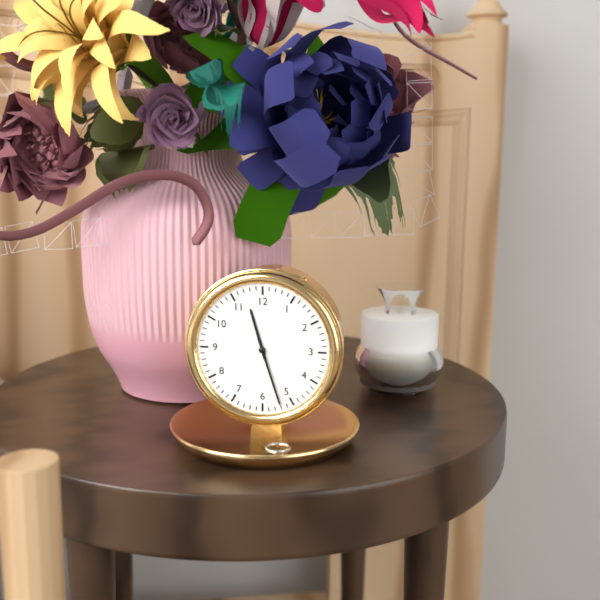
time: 11:27
